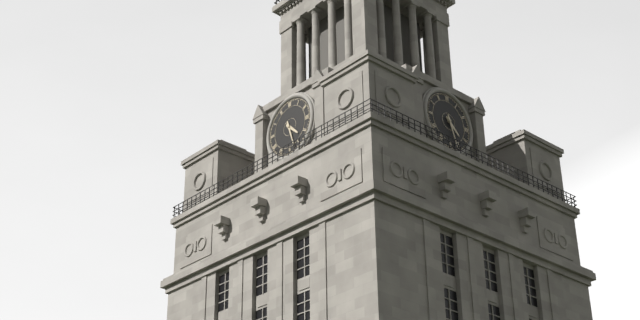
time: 4:27
